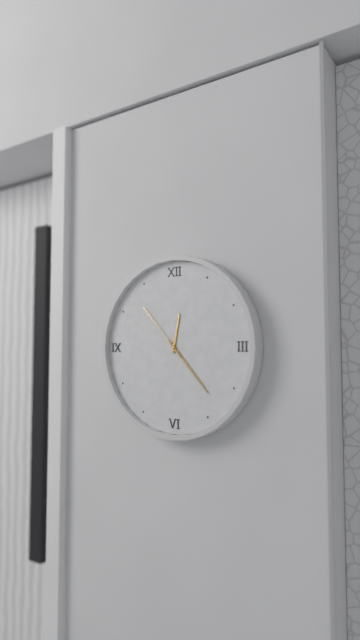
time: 12:23:53
